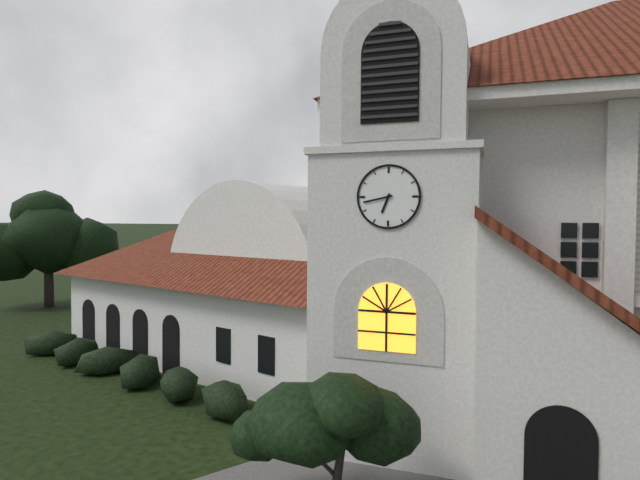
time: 6:43
